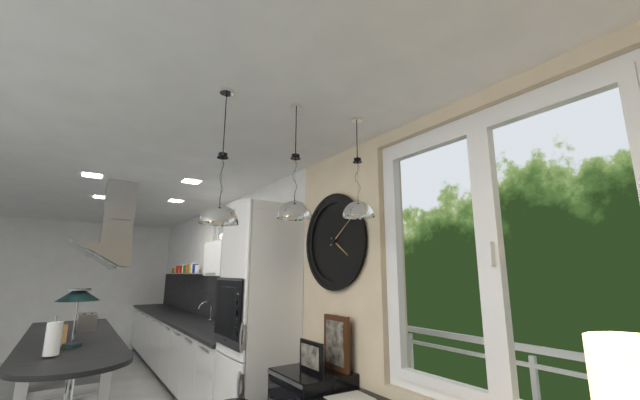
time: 4:09
